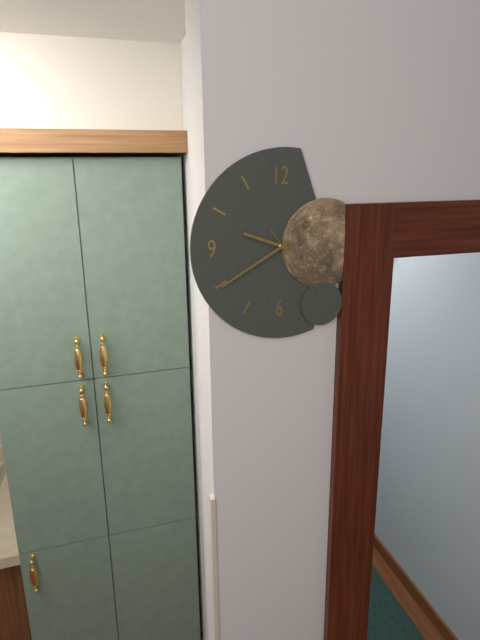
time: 9:40:24
